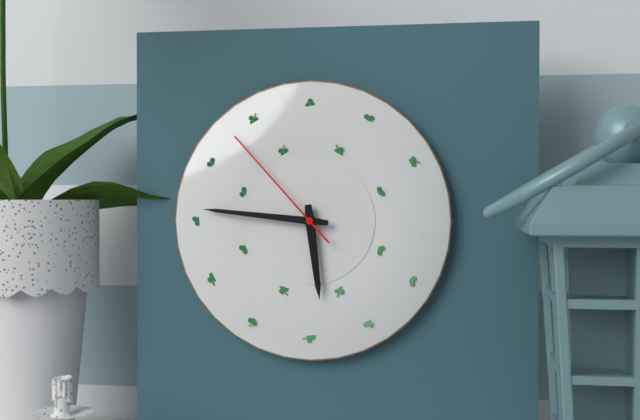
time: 5:46:53
